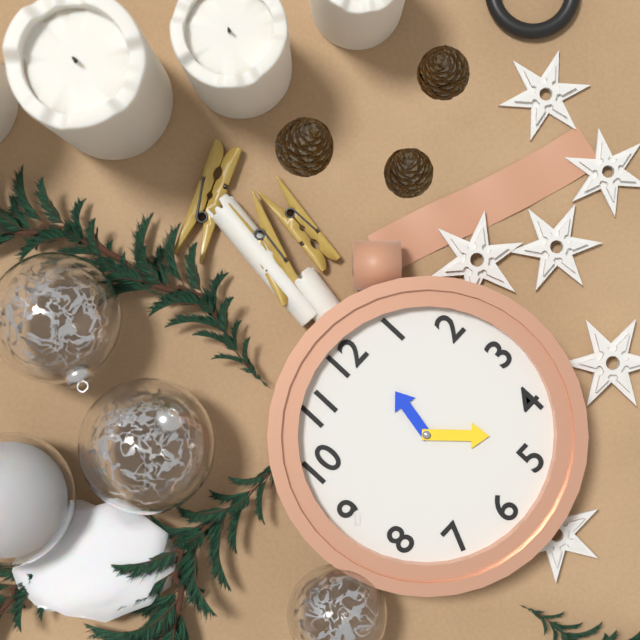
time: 12:23
